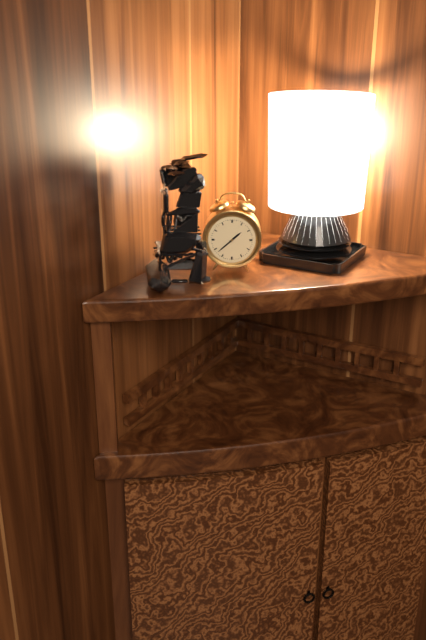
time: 1:38
